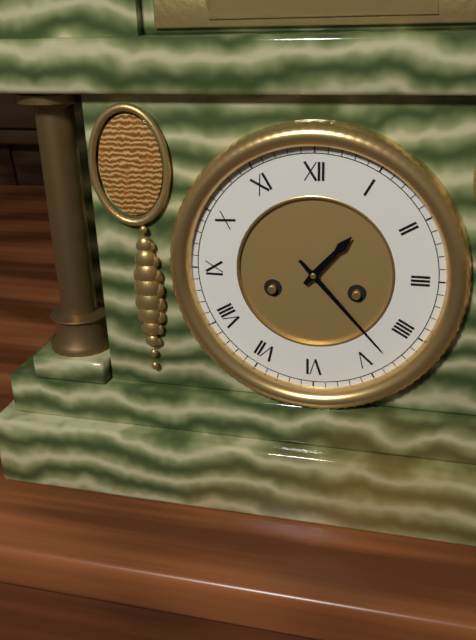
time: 1:23
